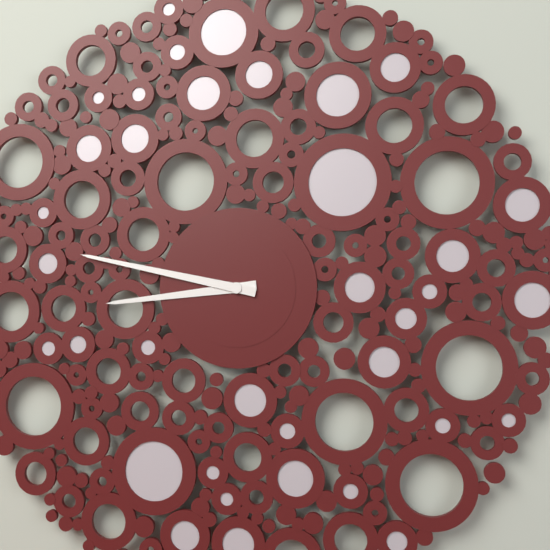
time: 8:47
